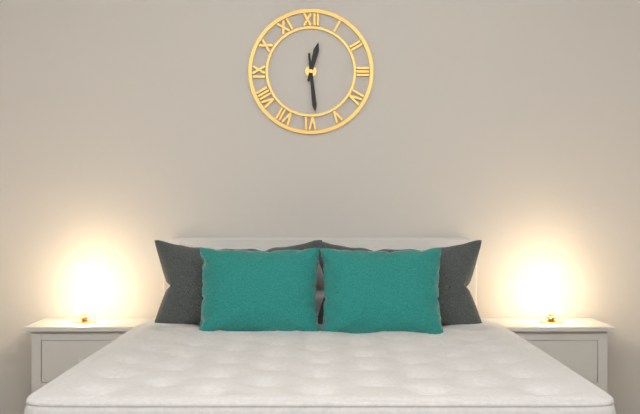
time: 12:29
